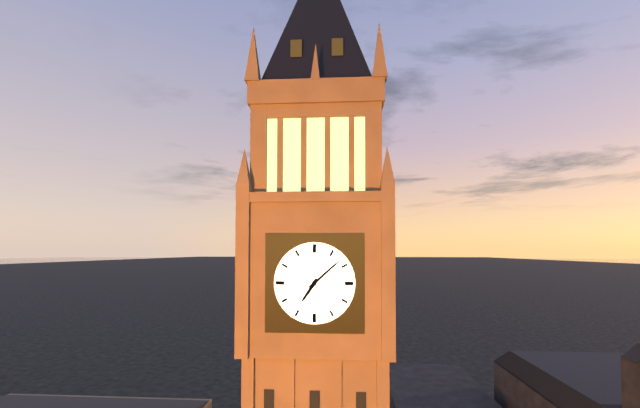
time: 7:08
